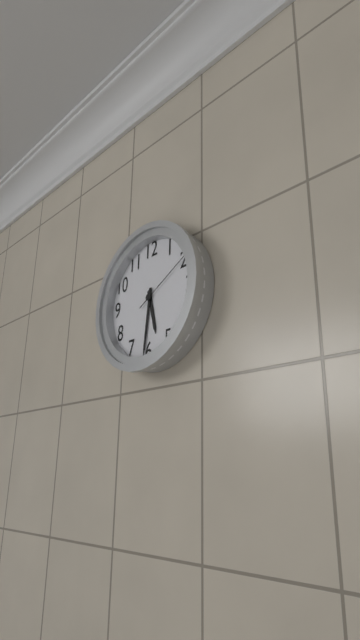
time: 5:31:10
